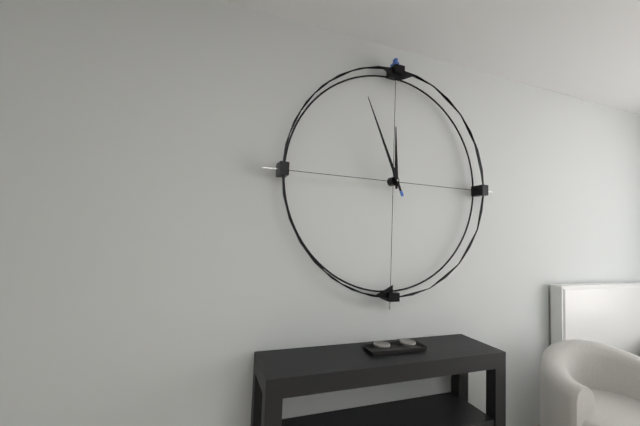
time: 11:56
